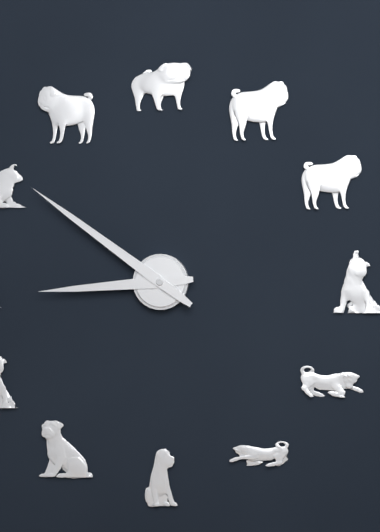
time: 8:51
